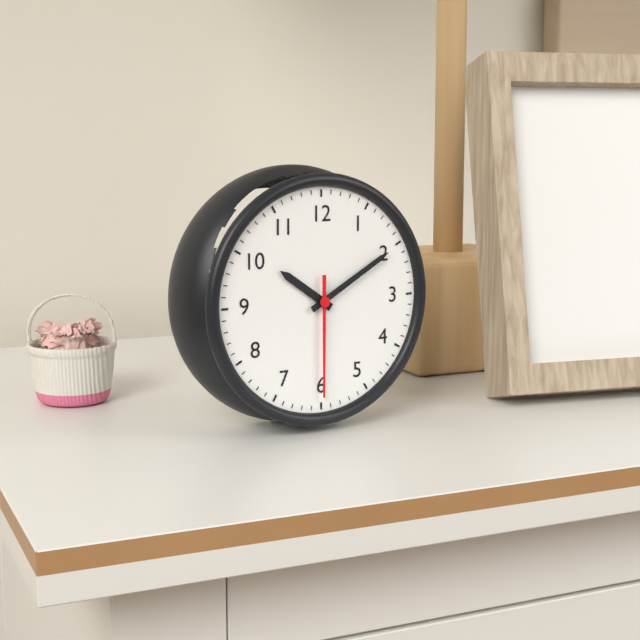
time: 10:10:30
